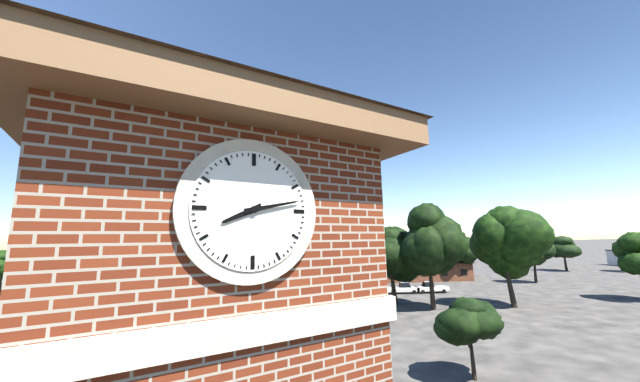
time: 8:13
